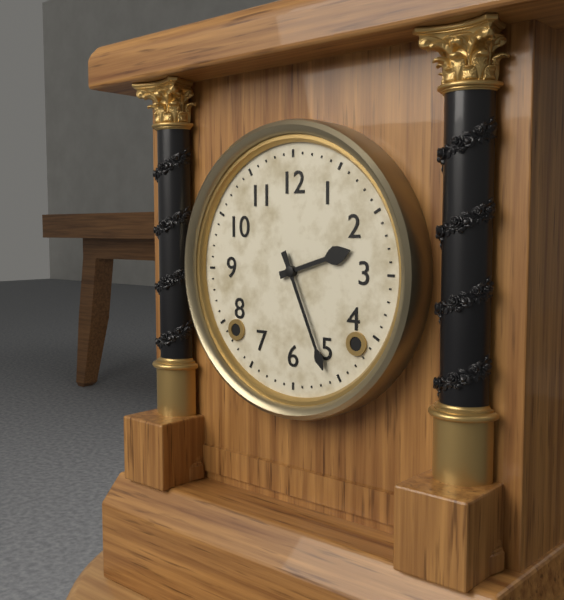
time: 2:26
